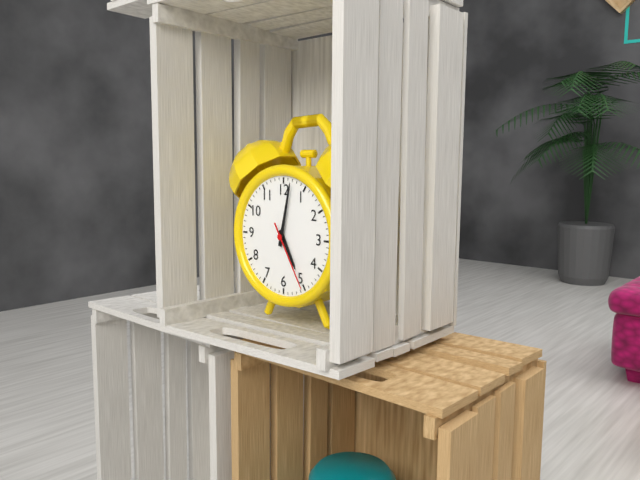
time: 5:02:25
